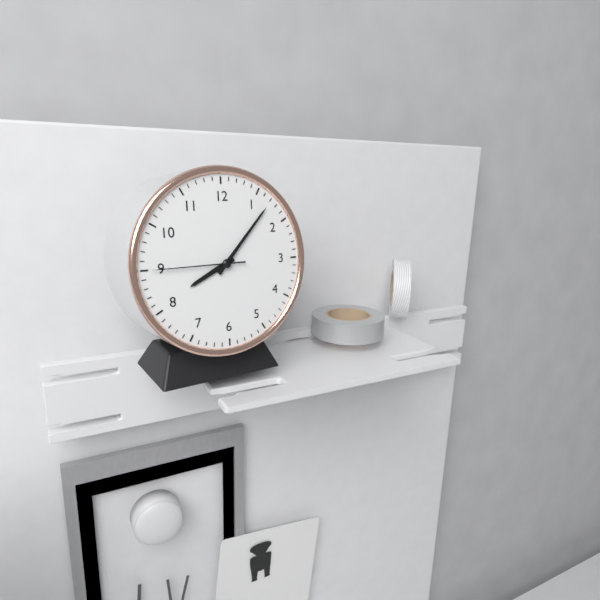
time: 8:07:45
